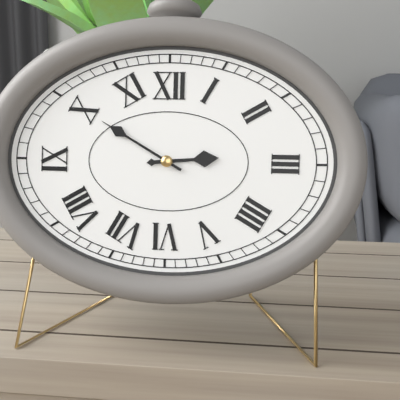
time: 2:50
